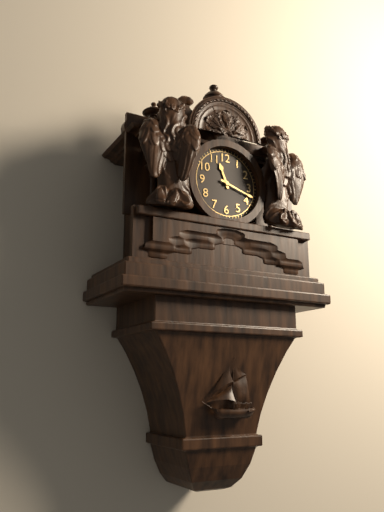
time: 11:18
